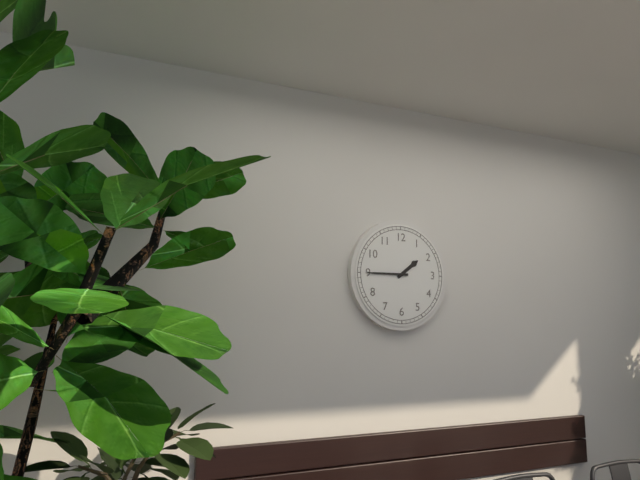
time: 1:45
